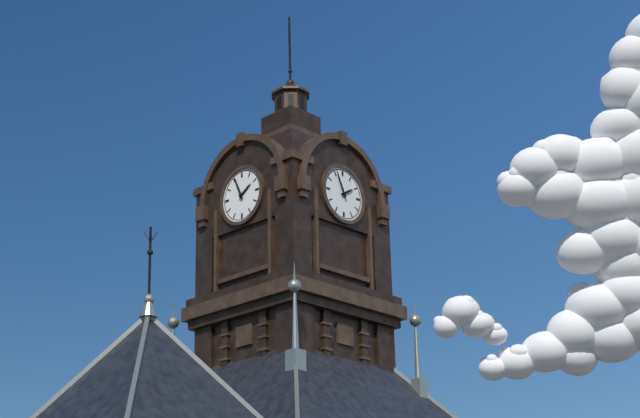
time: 1:56
